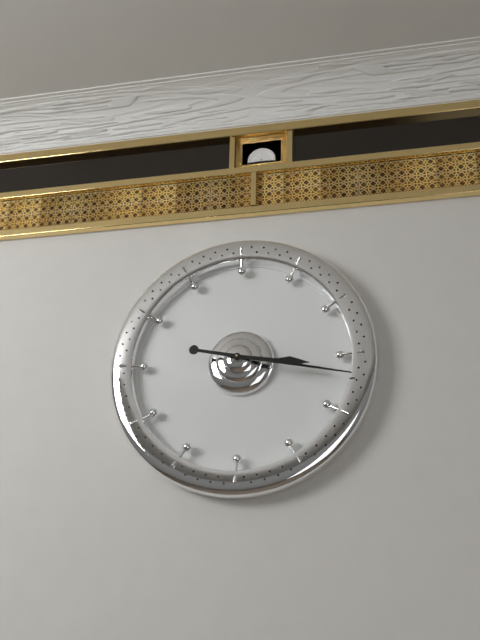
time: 3:17
